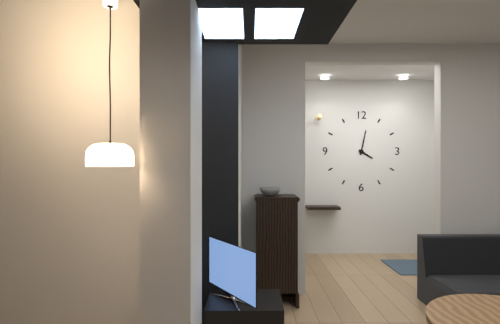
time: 4:02
